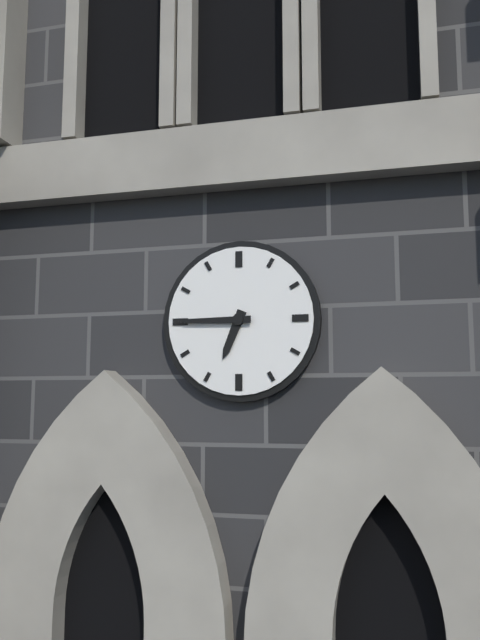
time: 6:45
